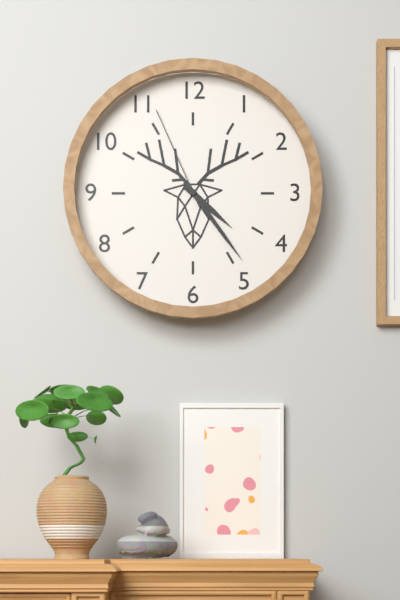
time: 4:24:56
